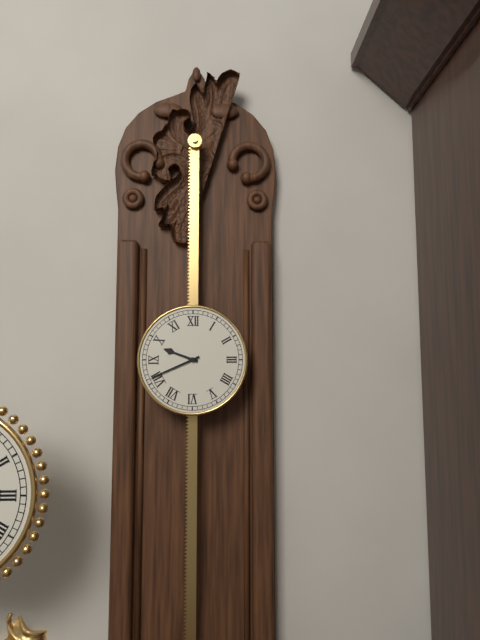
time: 9:41
